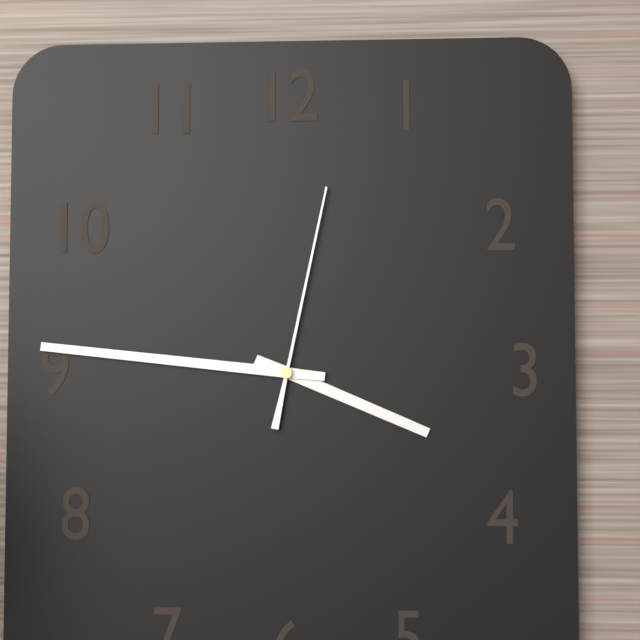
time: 3:46:02
